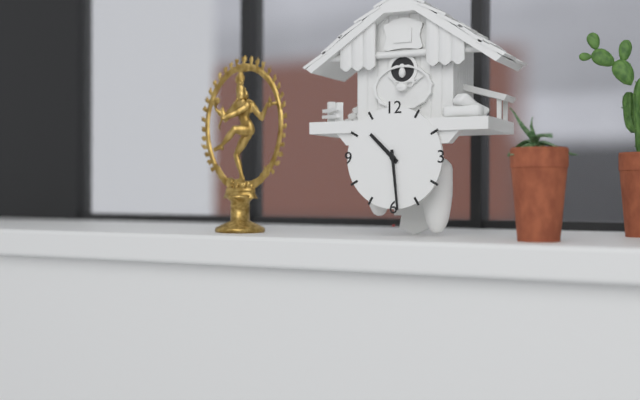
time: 10:29
